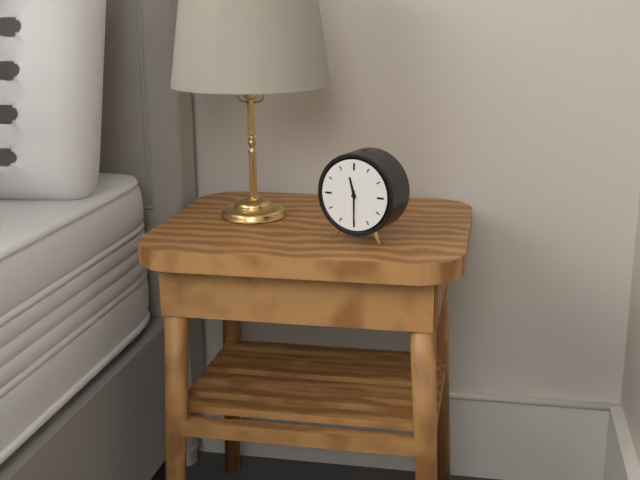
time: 11:30
